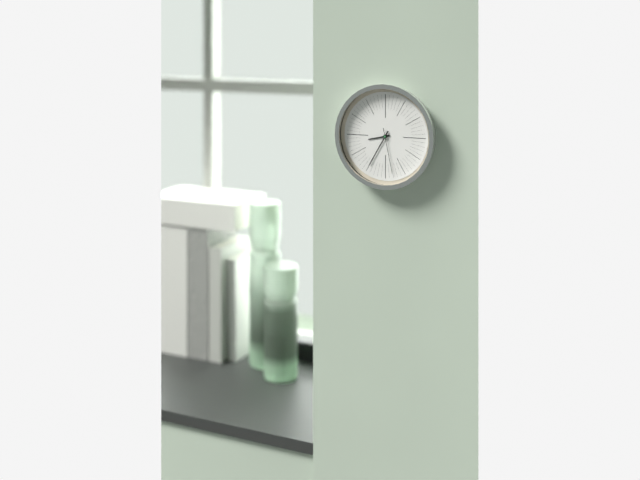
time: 8:35
